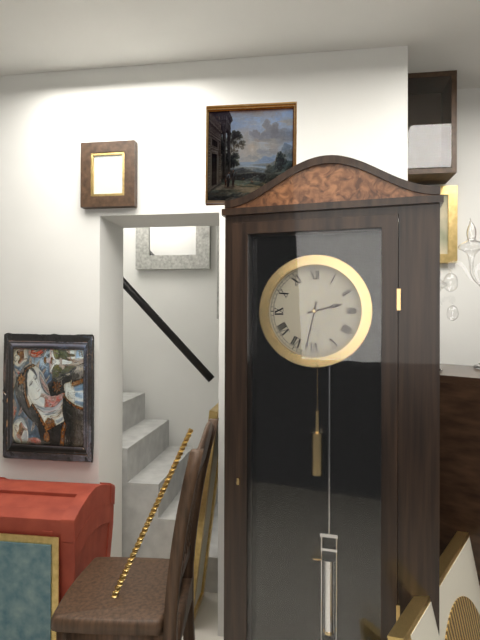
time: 2:32
